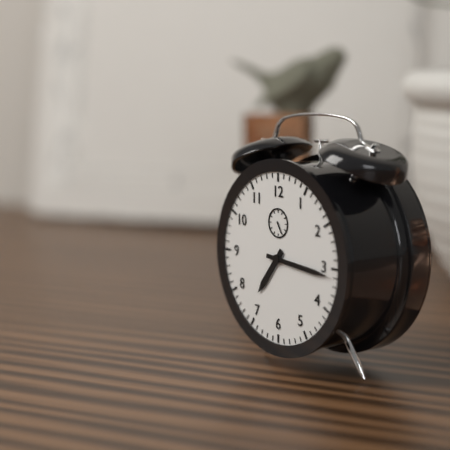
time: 7:16
